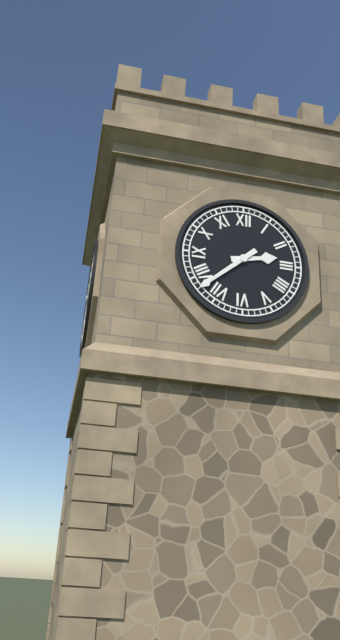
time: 2:38
